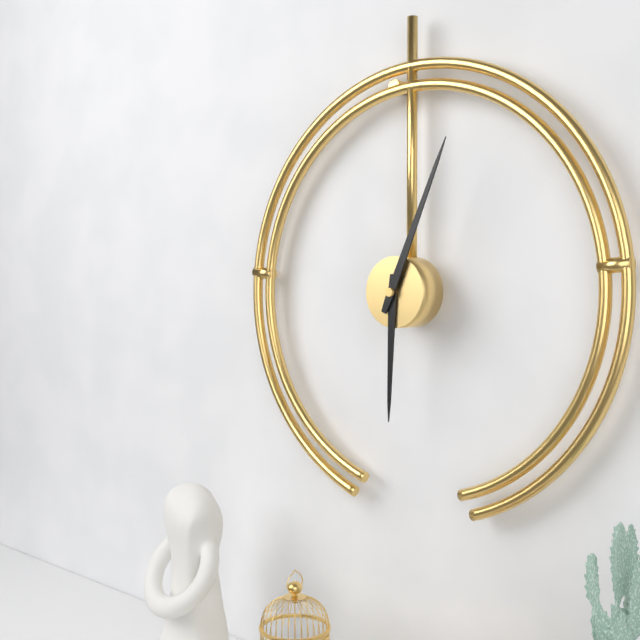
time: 6:04
